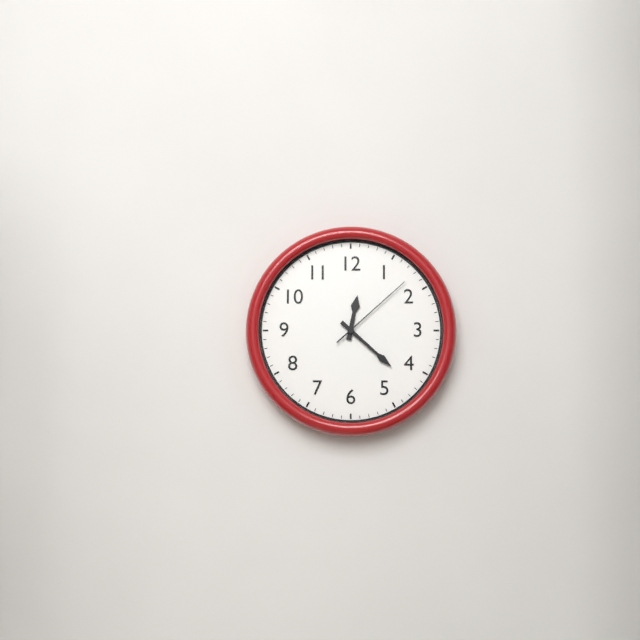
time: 12:22:08
